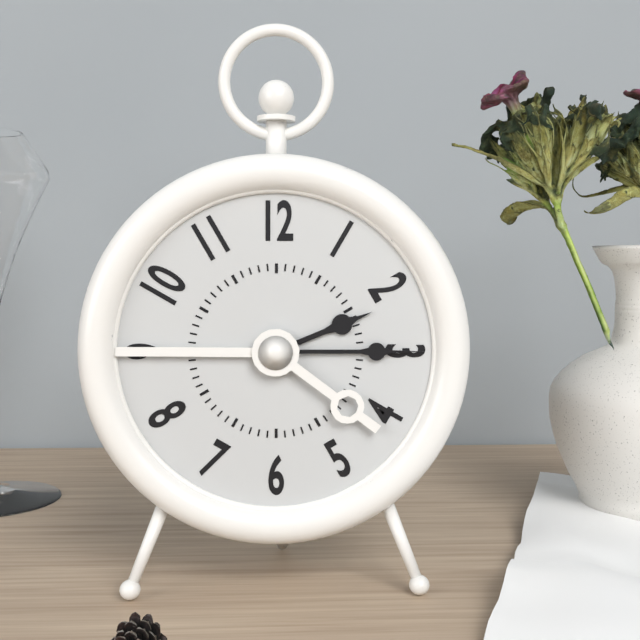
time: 2:15
